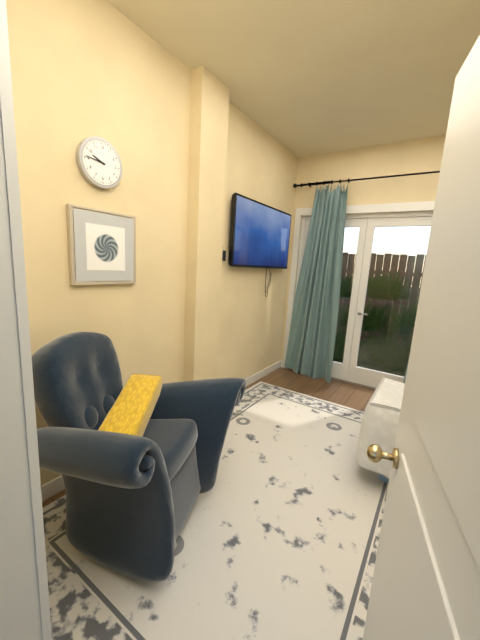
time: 9:46
